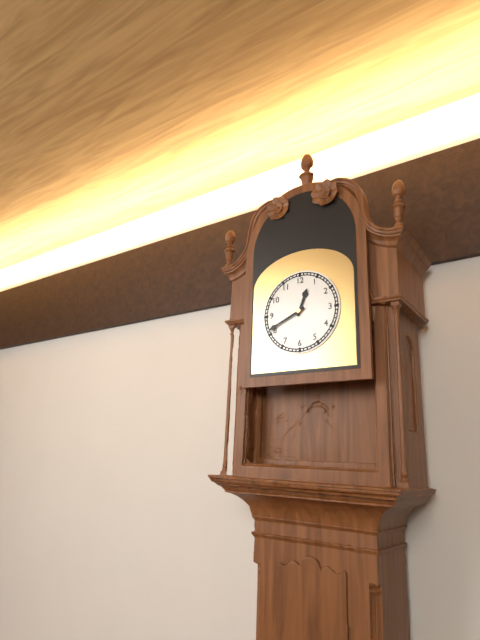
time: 12:41
